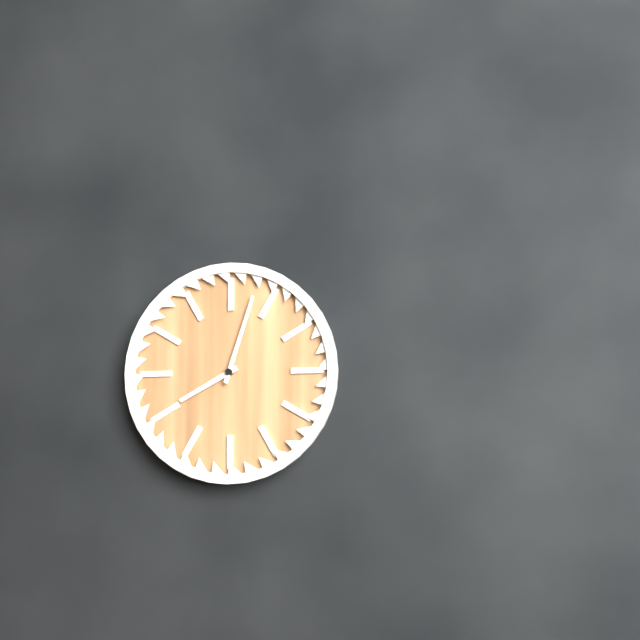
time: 8:03
